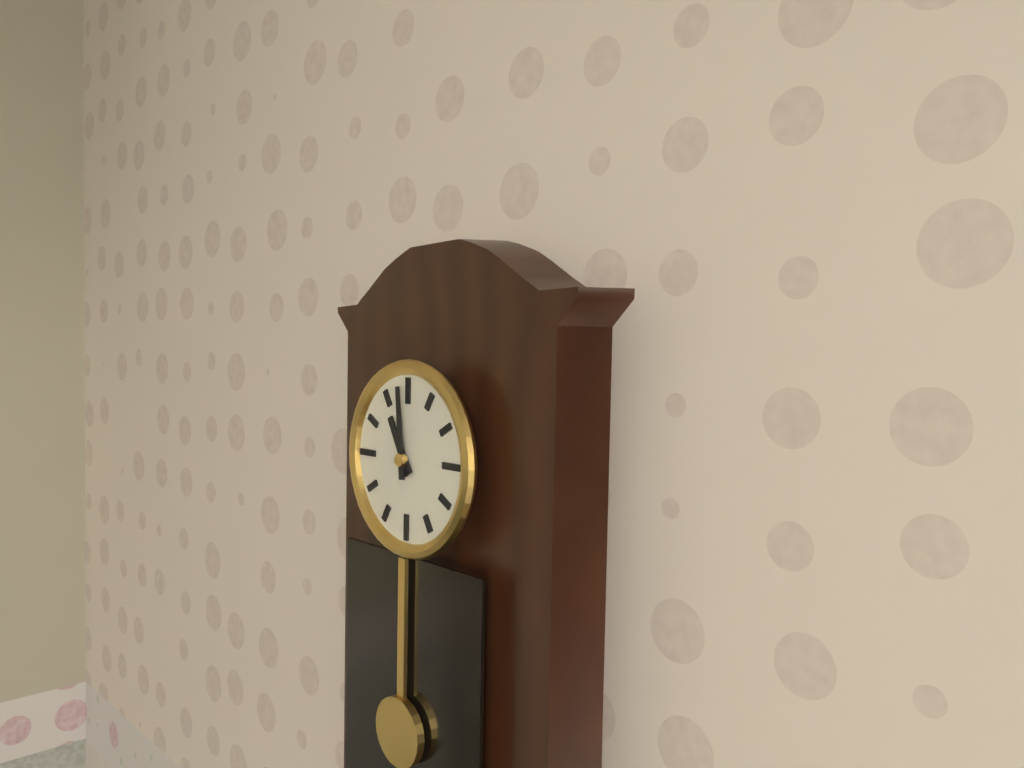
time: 10:59
